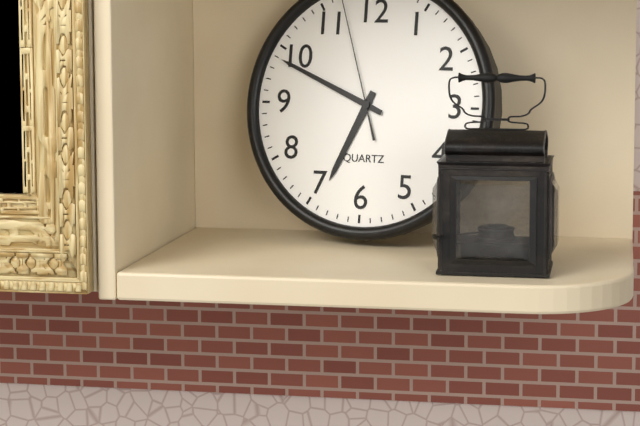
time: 6:49
